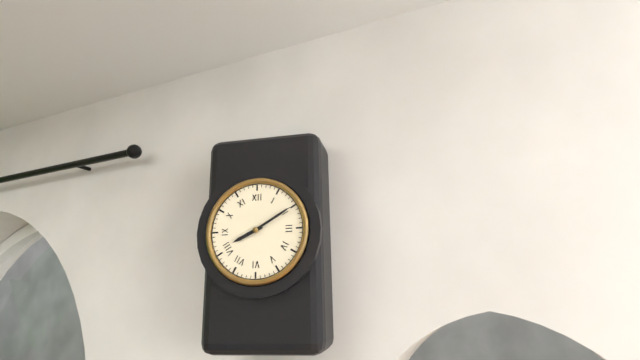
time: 8:10
